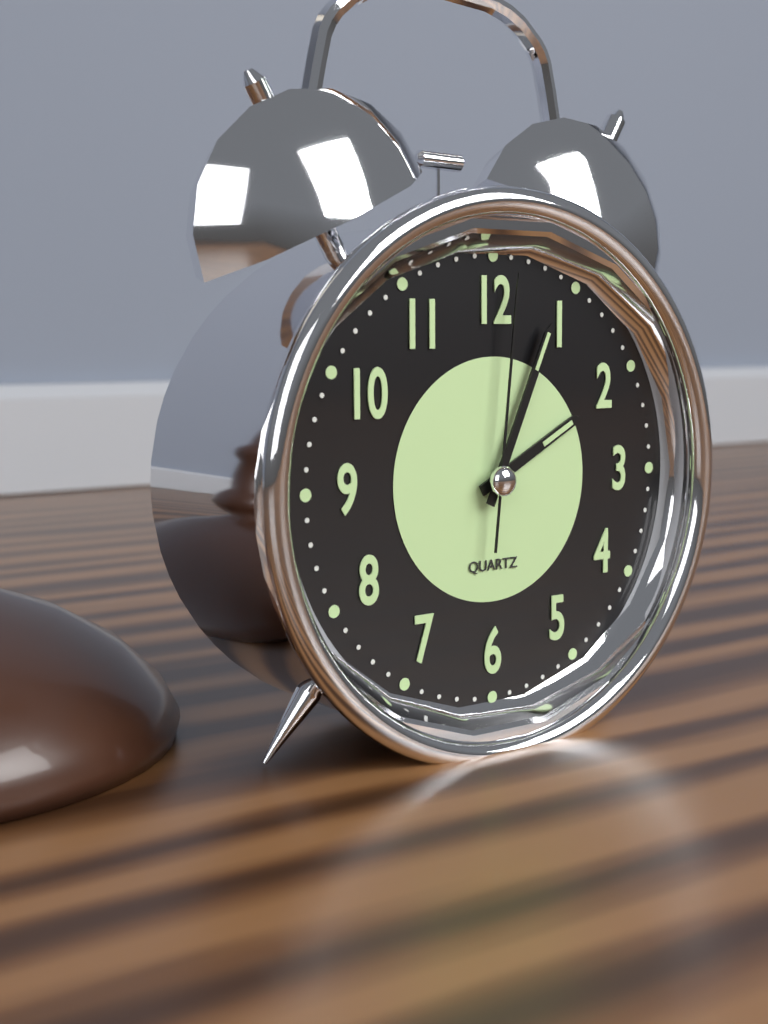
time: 2:04:01
